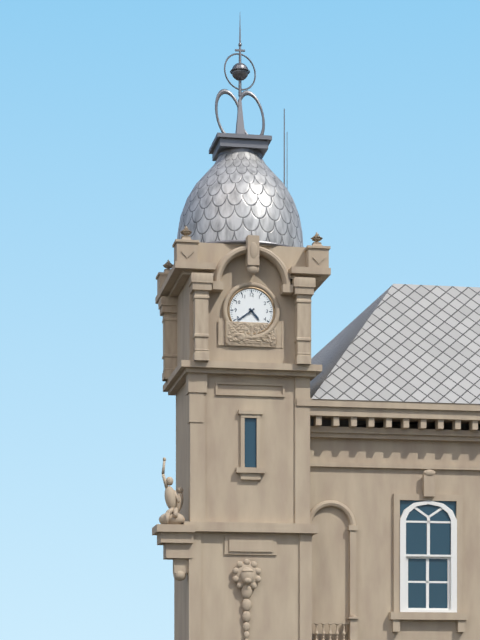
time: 4:39
